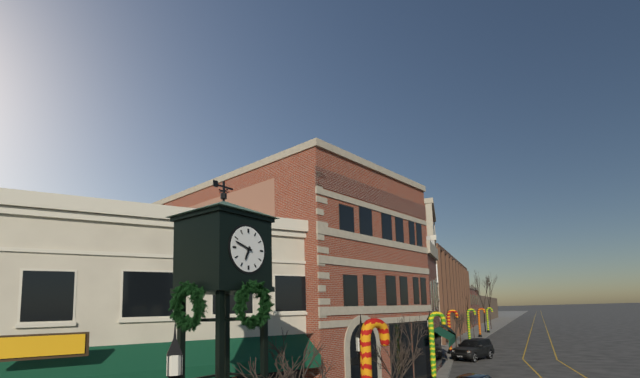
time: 6:48
